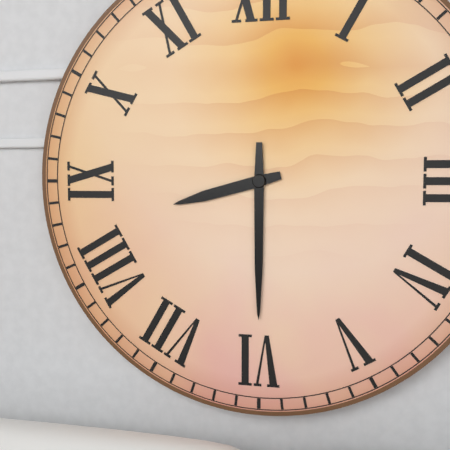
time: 8:30
